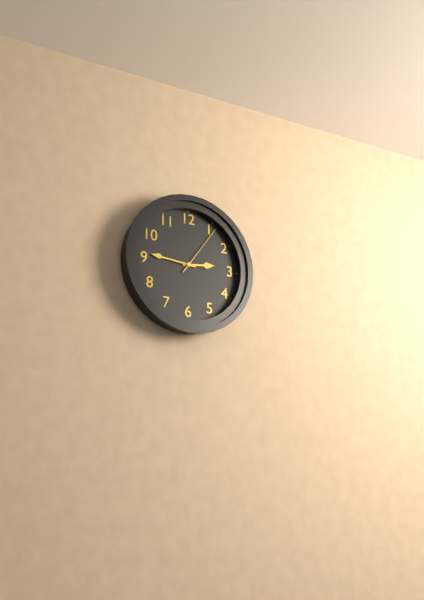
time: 2:46:06
